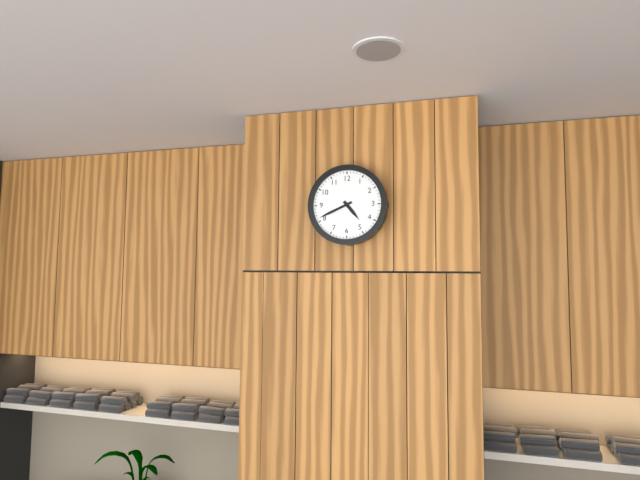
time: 4:41
